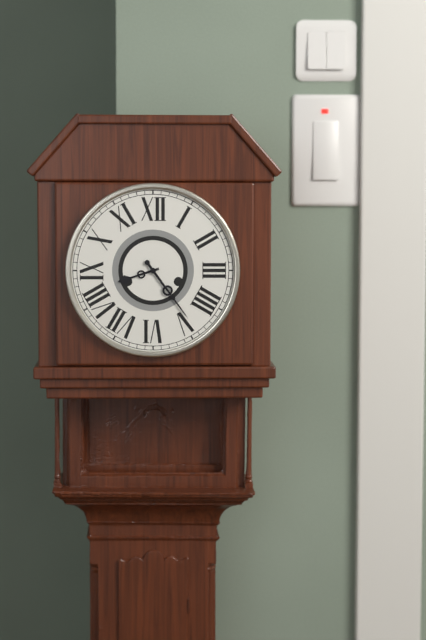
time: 8:24
